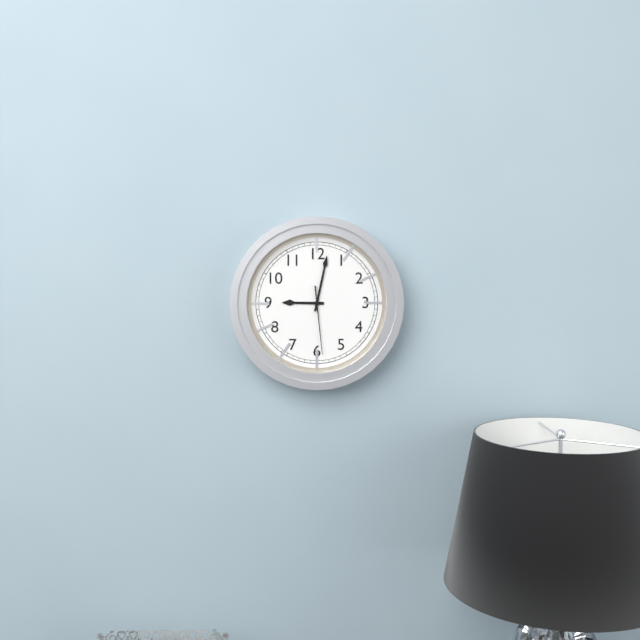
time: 9:02:29
